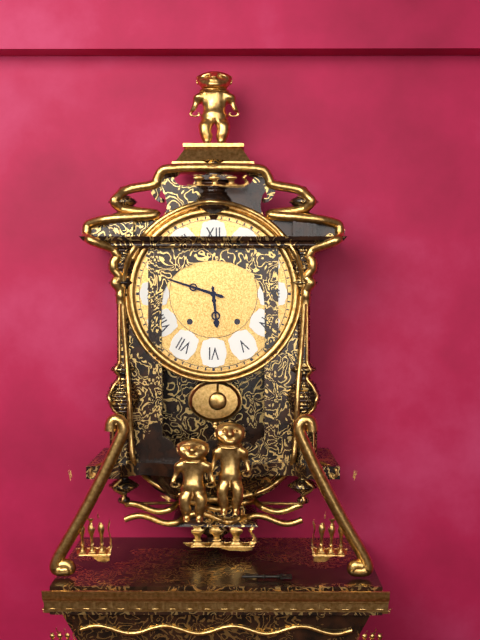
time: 5:48
